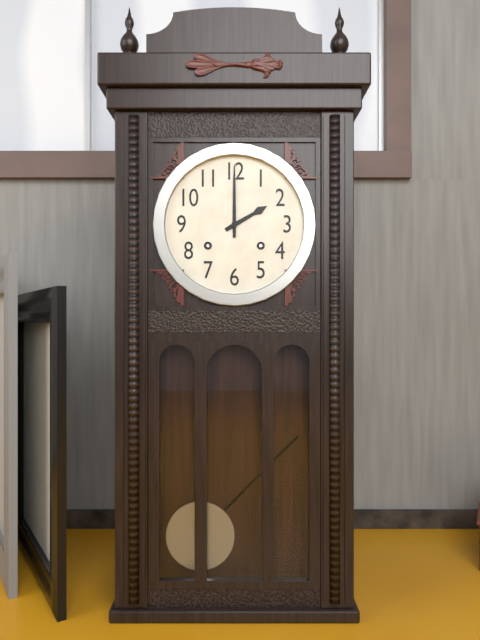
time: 2:00
